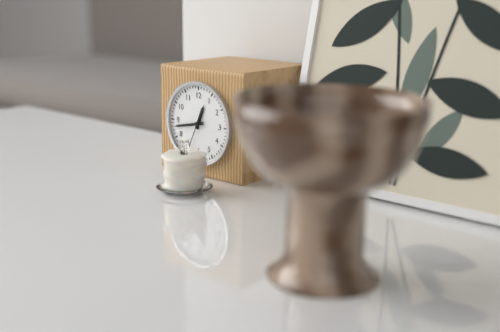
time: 12:43
